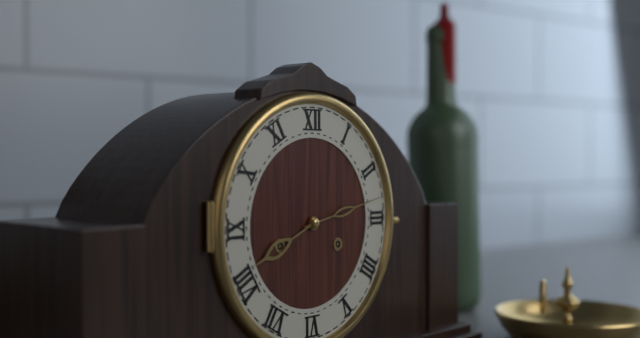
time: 8:13
